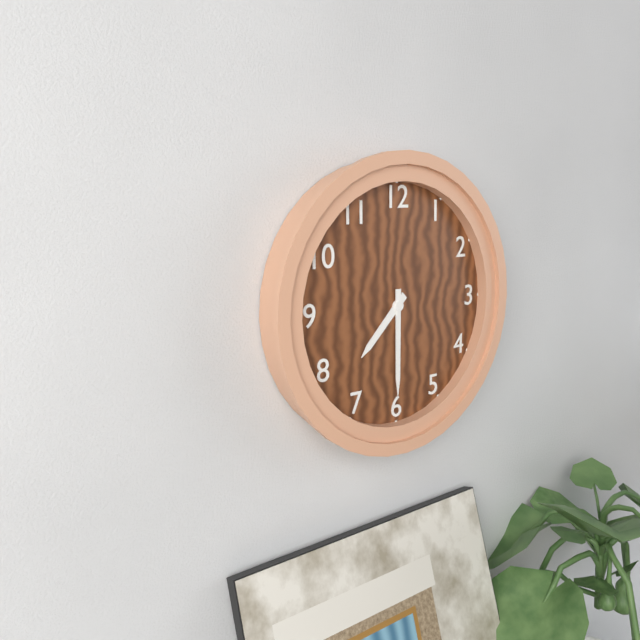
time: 7:30
